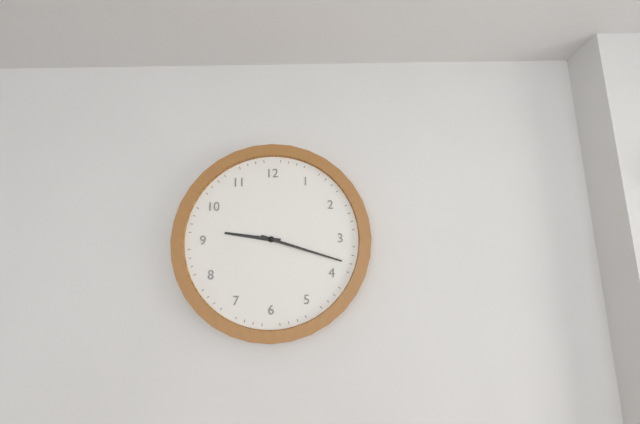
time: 9:18
